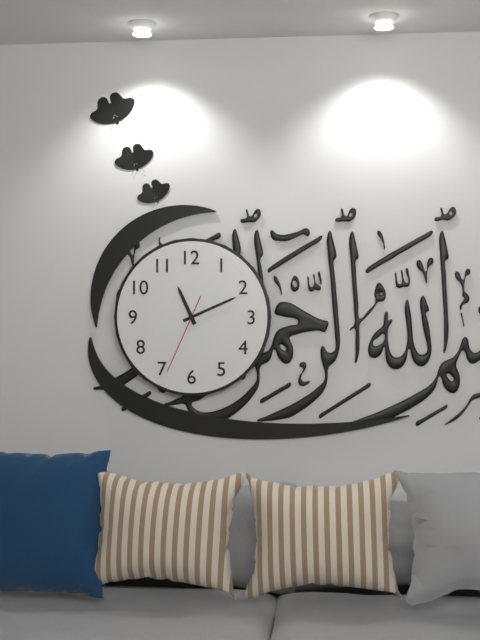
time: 11:11:34
